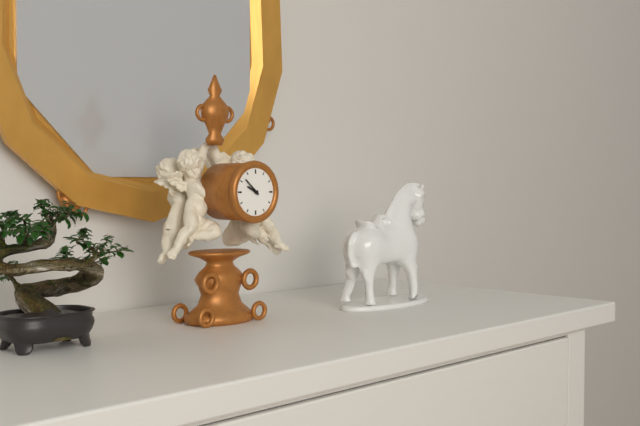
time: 9:52
